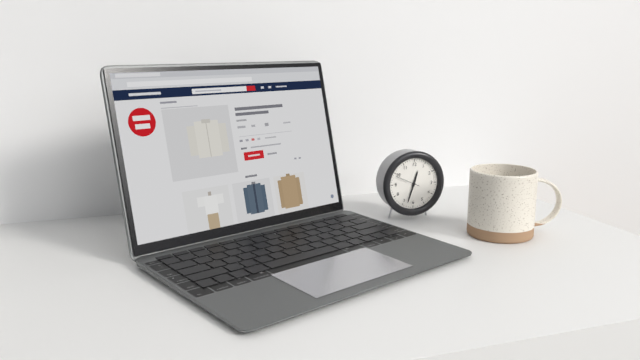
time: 12:33
